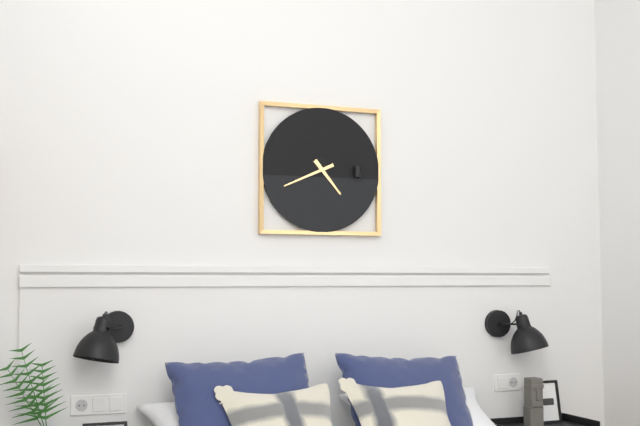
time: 4:41
